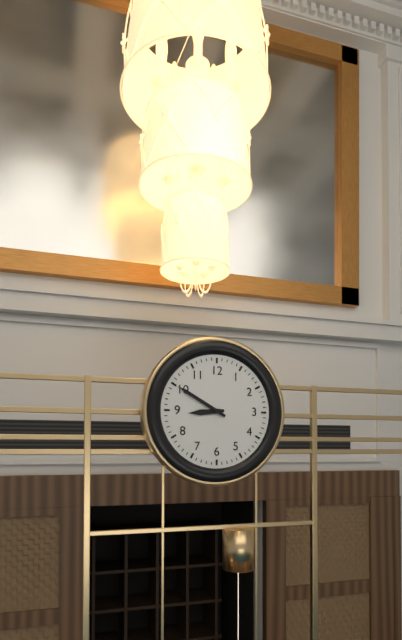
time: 8:50
